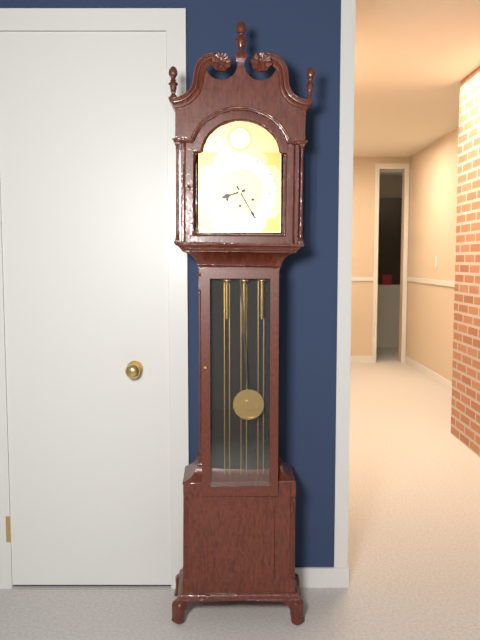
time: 8:25
